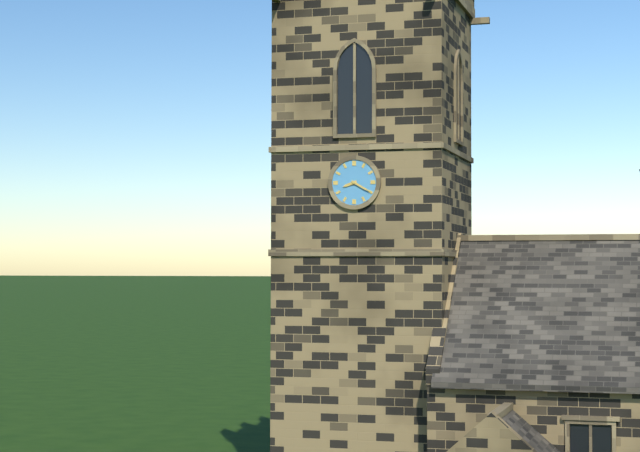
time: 8:20
